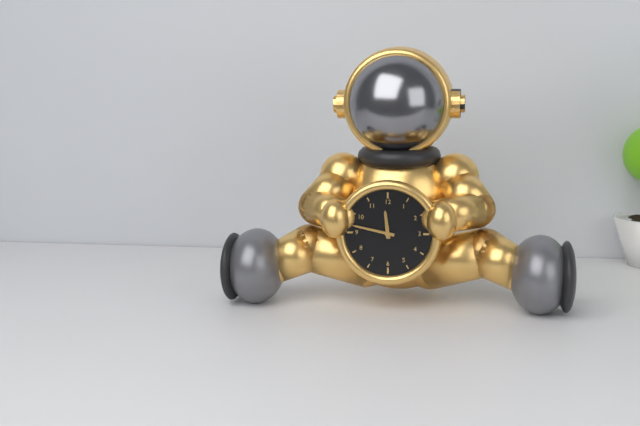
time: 11:47
